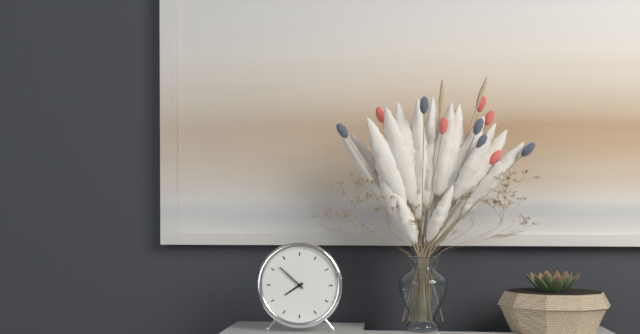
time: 7:52
